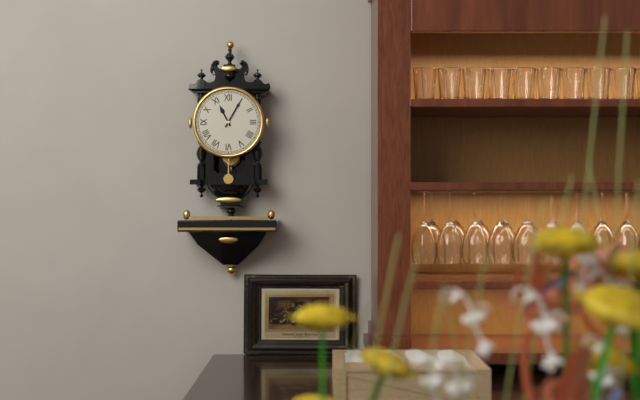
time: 11:05
